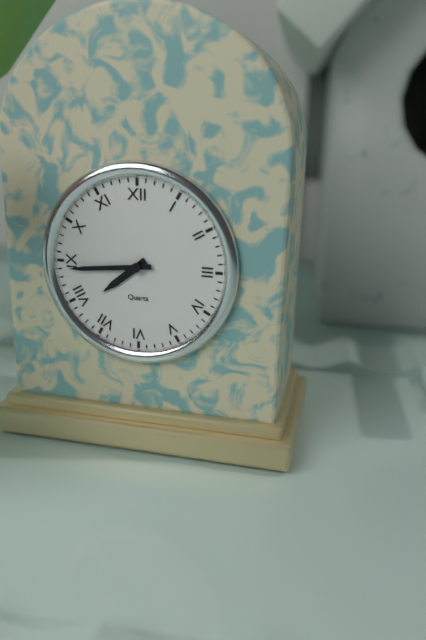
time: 7:44
